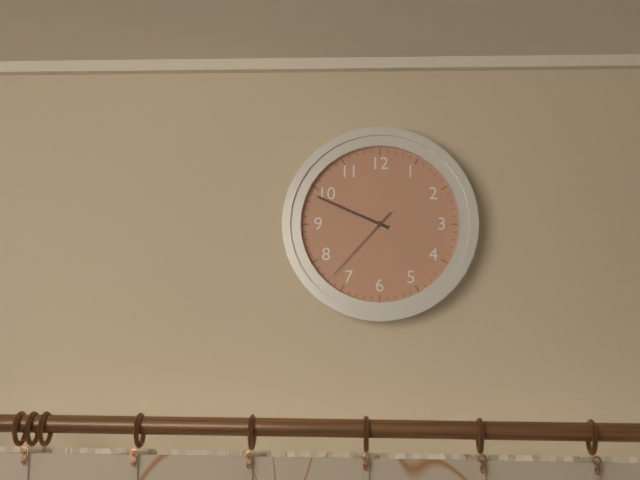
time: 9:49:37
